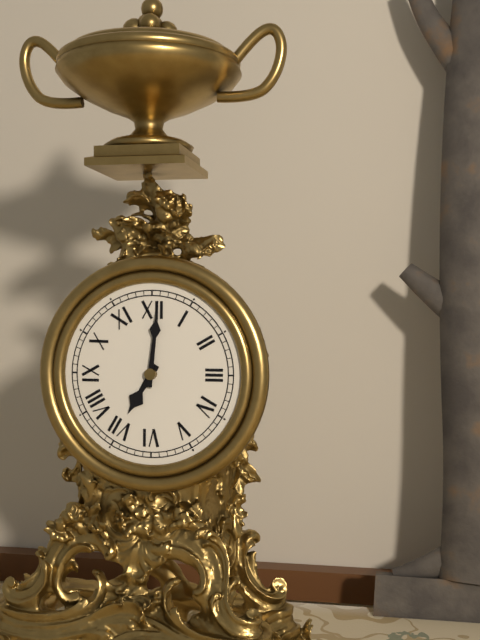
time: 7:01
